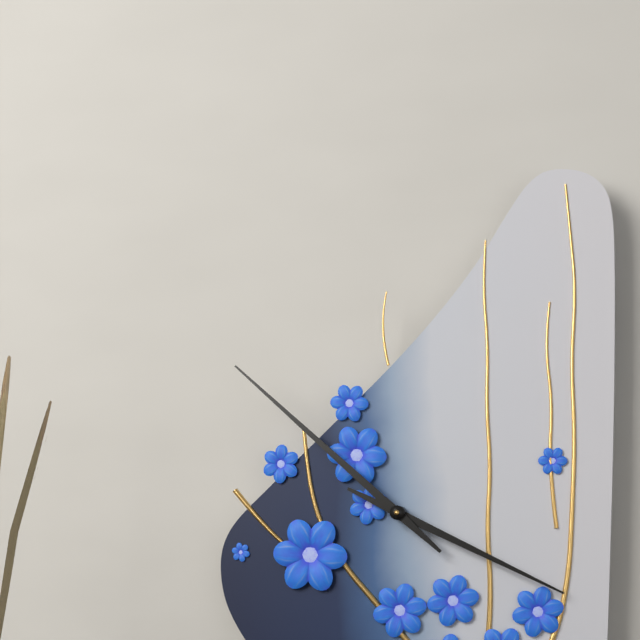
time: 3:52
